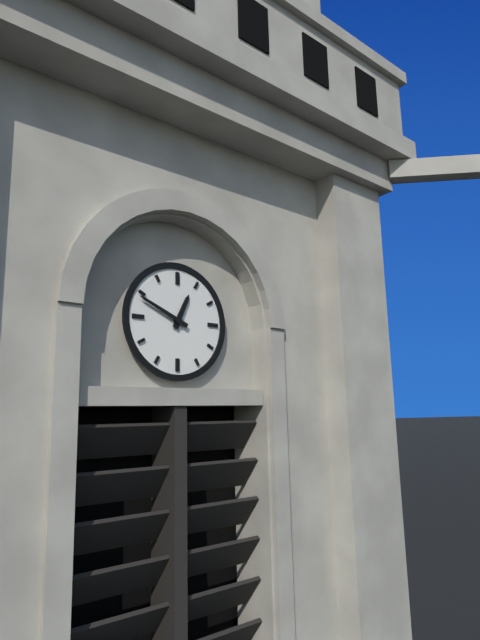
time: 12:49
